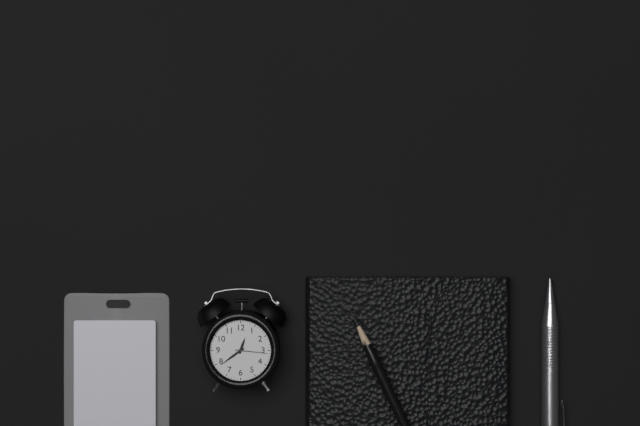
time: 12:39
